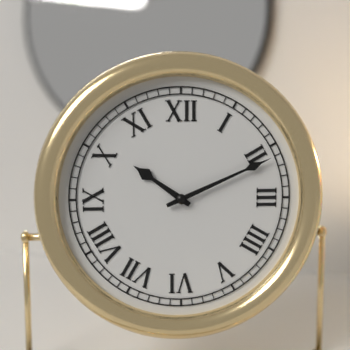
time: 10:11
